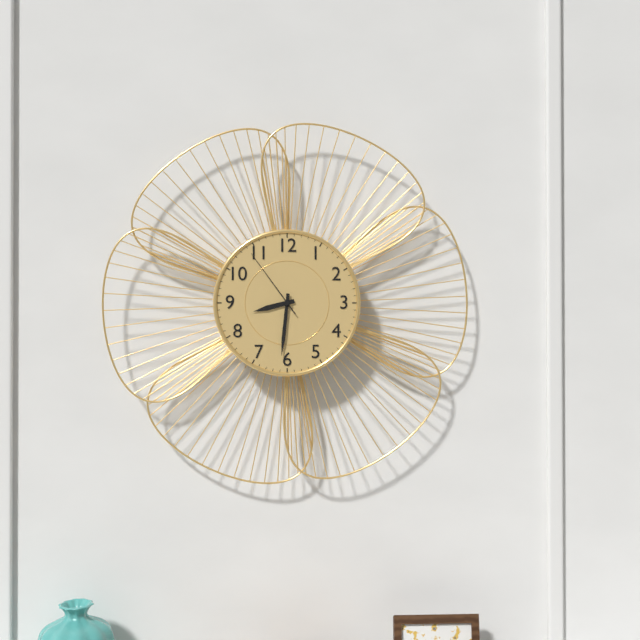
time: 8:31:54
